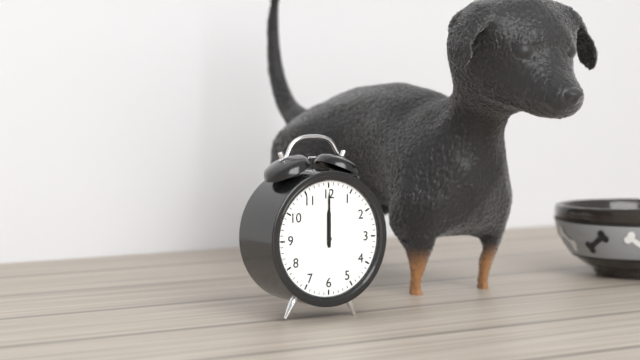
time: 12:00
